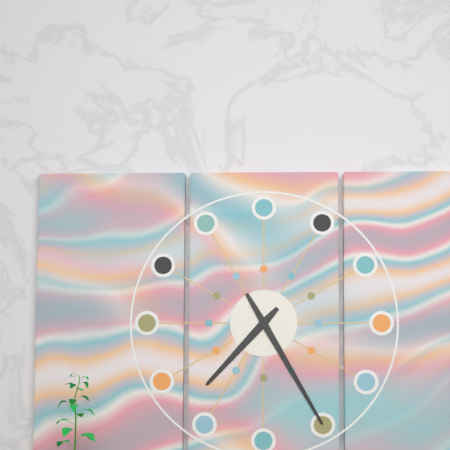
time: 7:25
